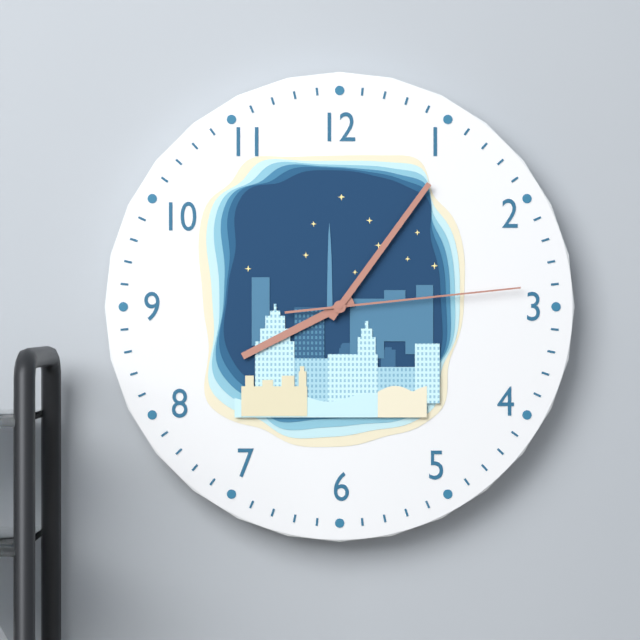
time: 8:06:14
